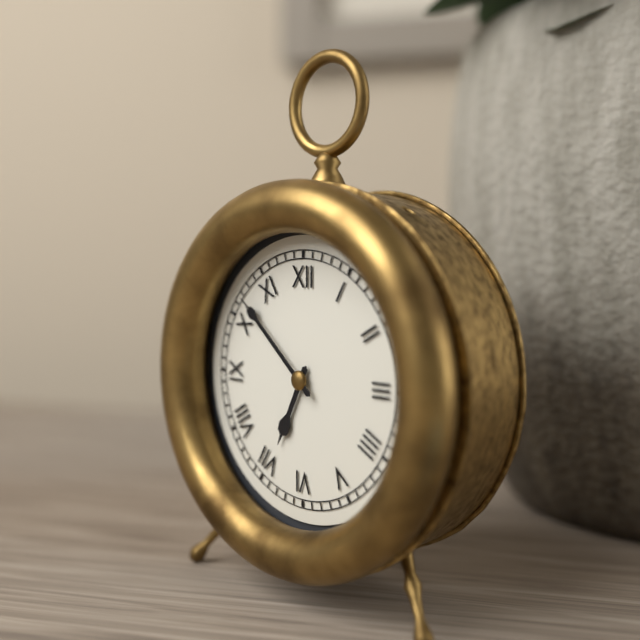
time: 6:52
